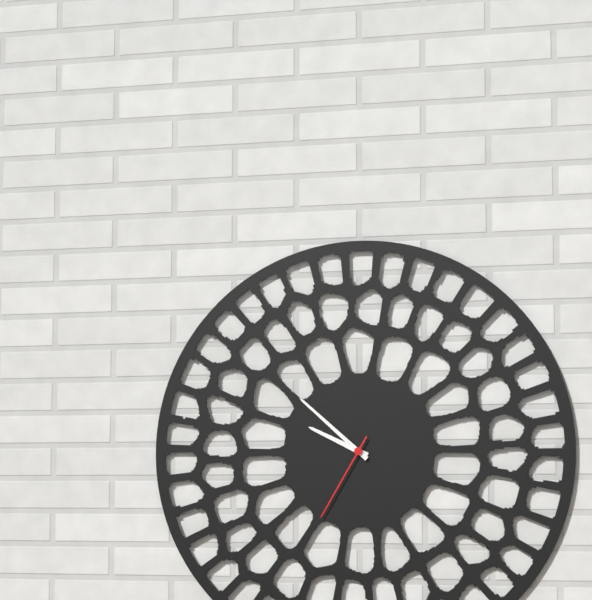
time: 9:52:35
